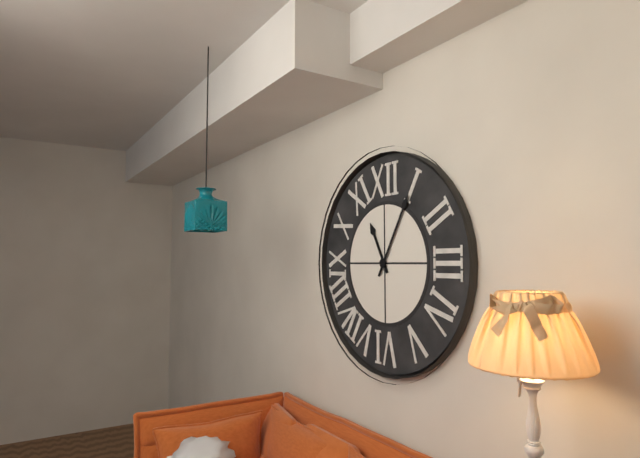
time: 11:05
